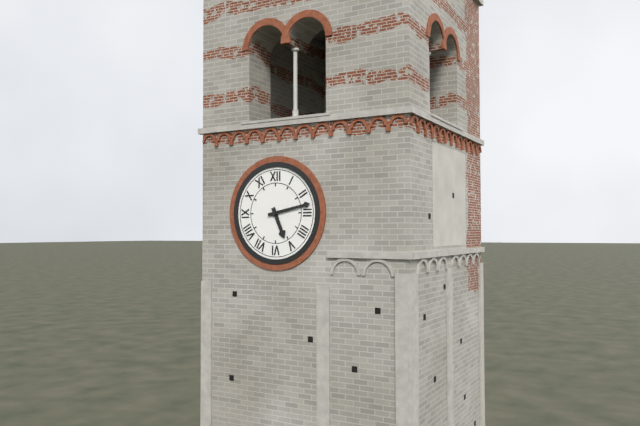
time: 5:13
